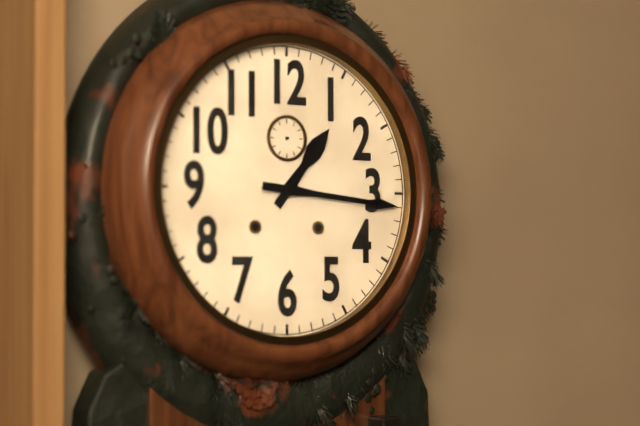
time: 1:16
